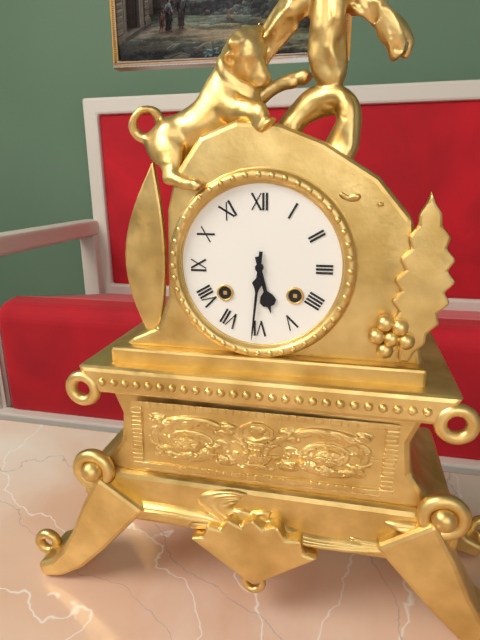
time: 5:31
